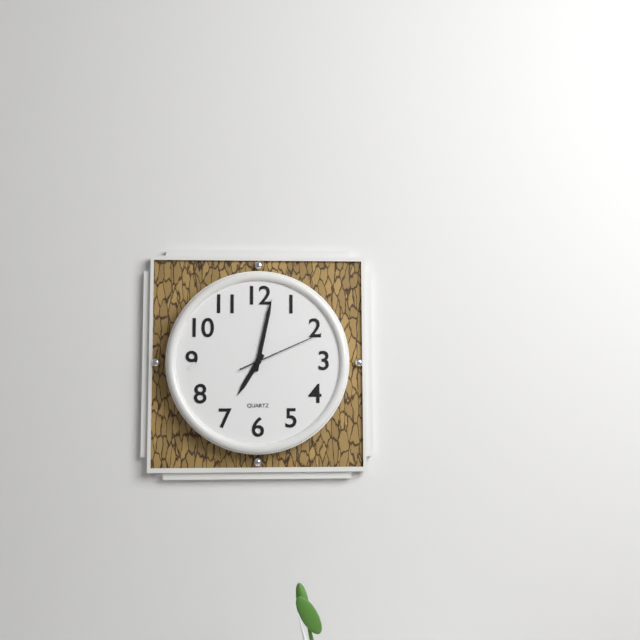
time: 7:02:11
